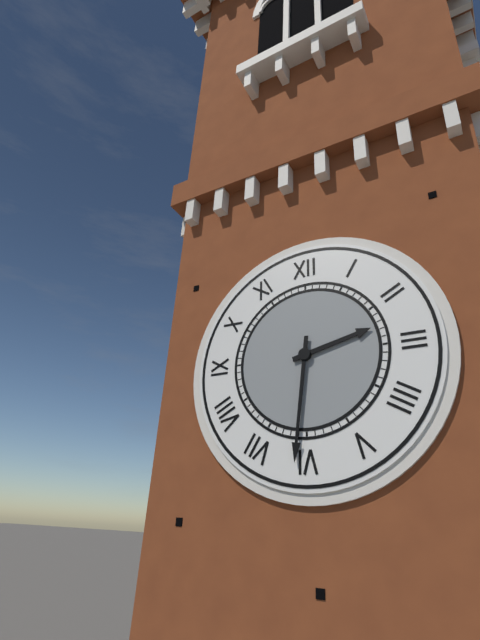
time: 2:31
